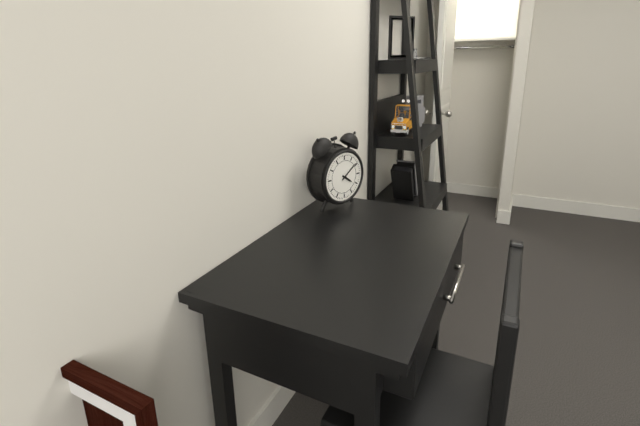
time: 4:09
